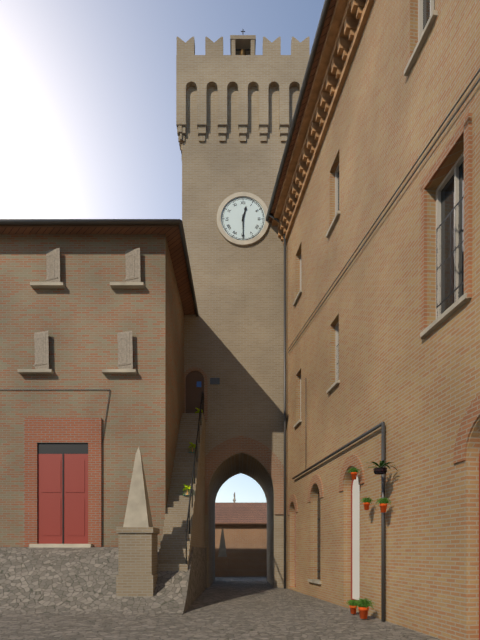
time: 12:30
